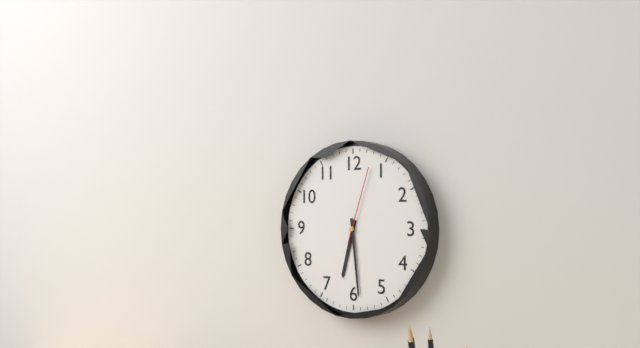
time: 6:29:03
